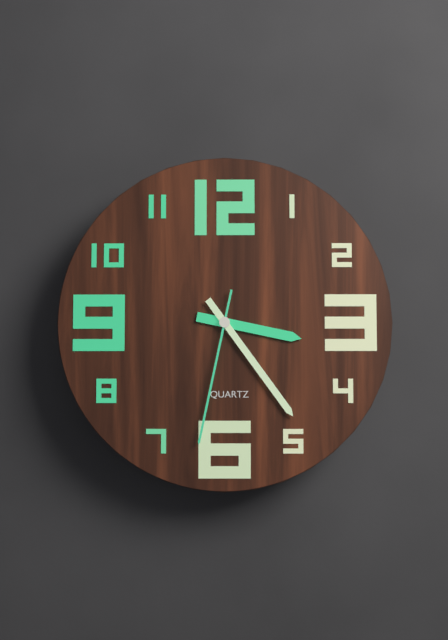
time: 3:24:32
